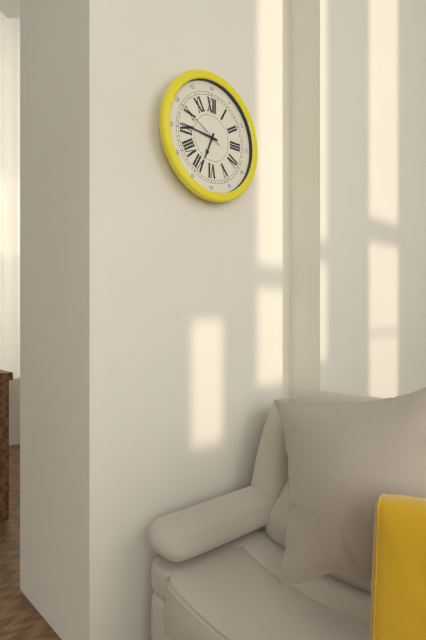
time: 6:46:50
